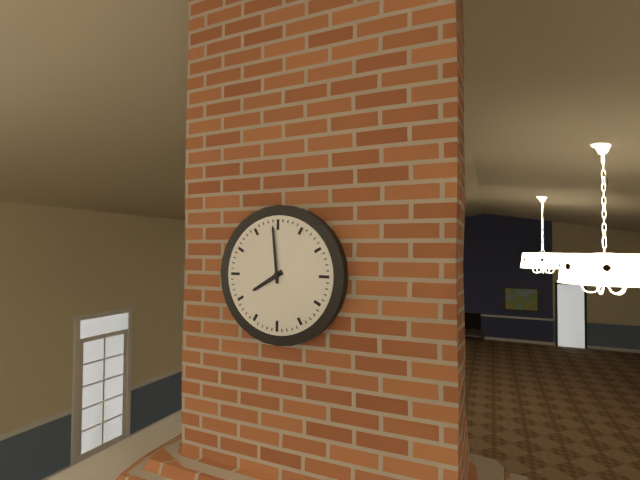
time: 7:59
